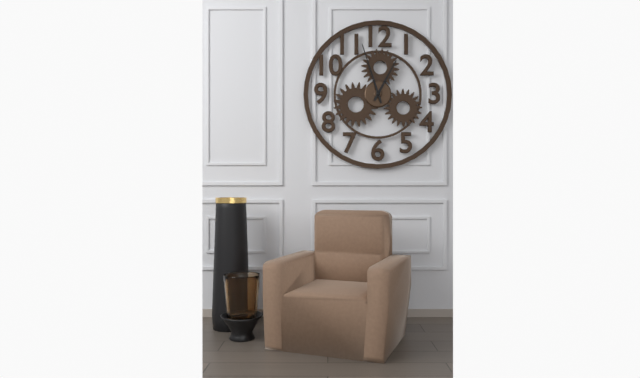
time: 12:57
